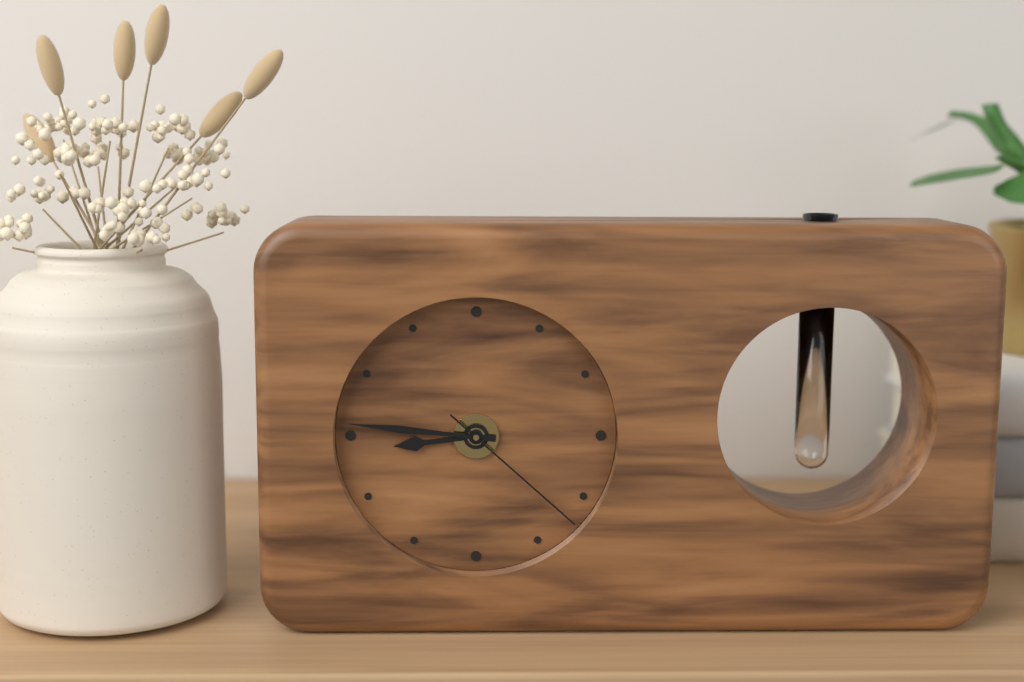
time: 8:46:22
